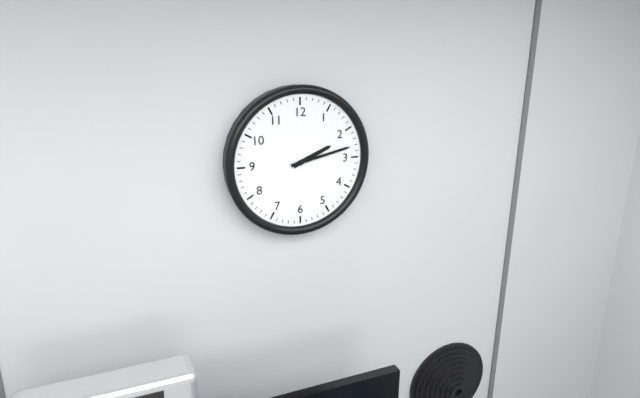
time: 2:13
